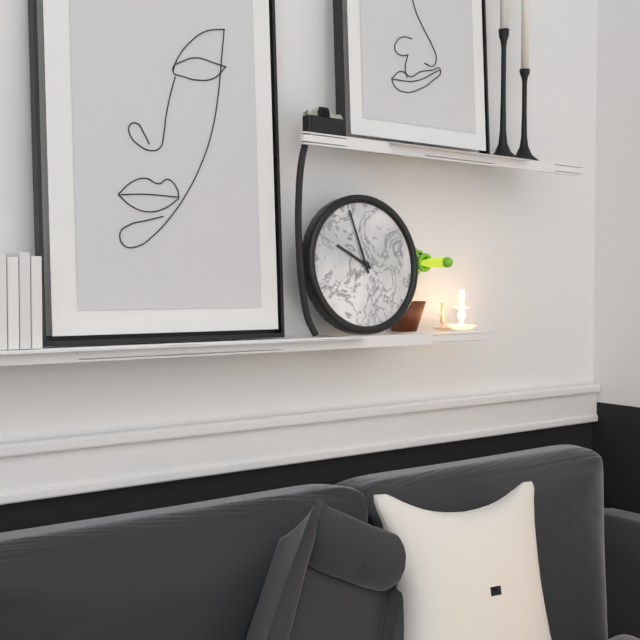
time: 9:57
